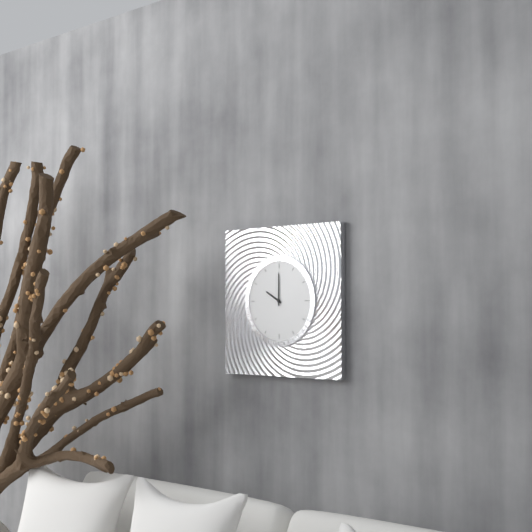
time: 10:00
